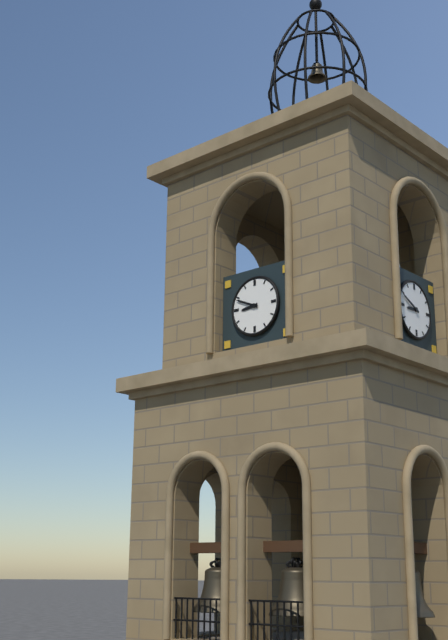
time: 8:49
